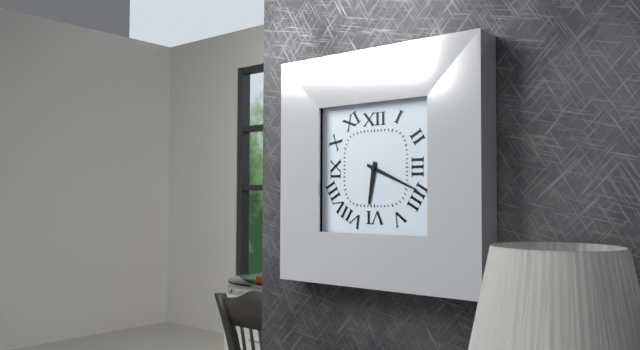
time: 6:19
